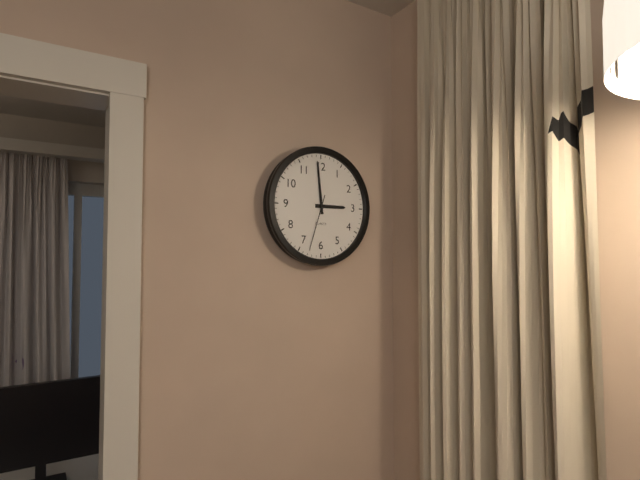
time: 2:59:33
